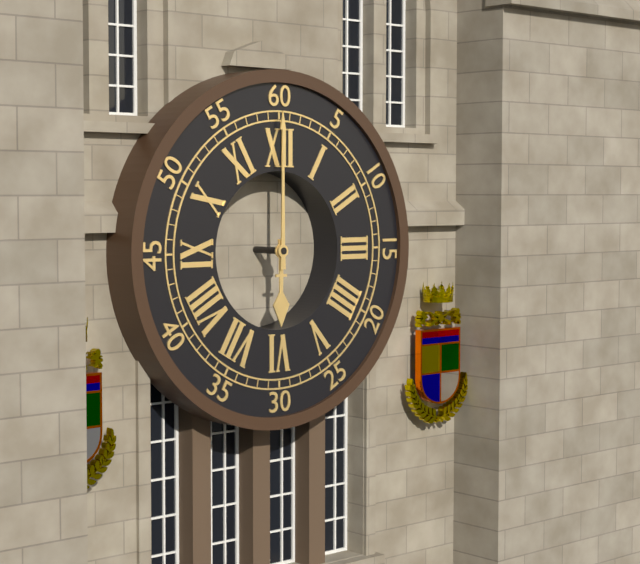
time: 6:00
